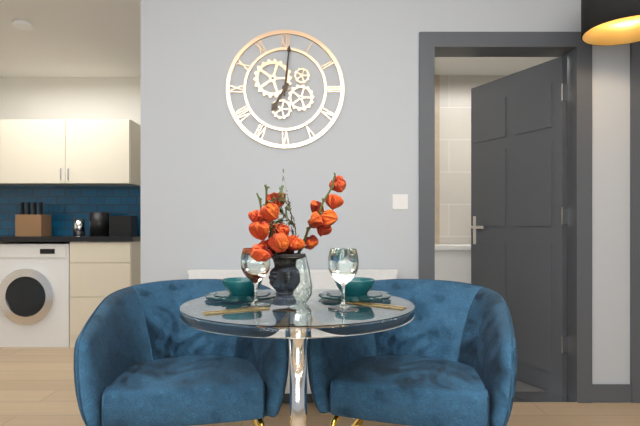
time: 7:01
